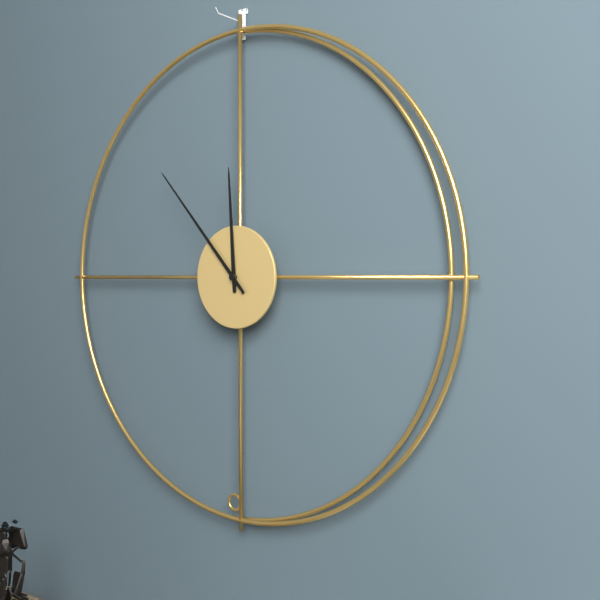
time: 11:53
